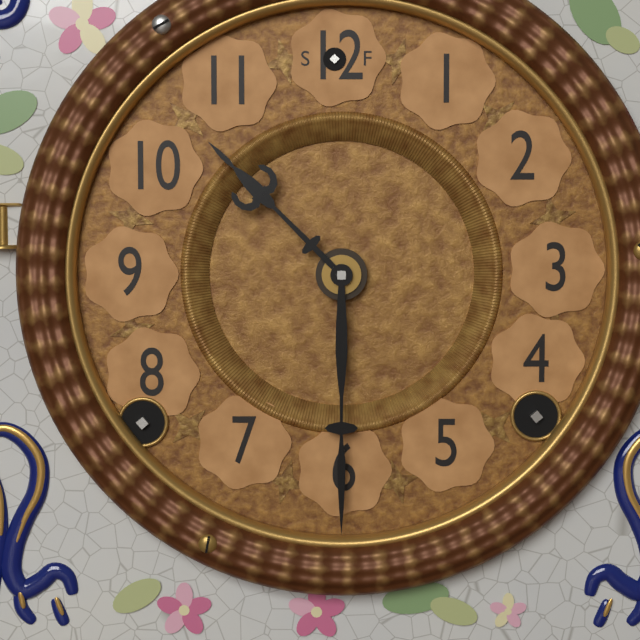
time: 10:30
